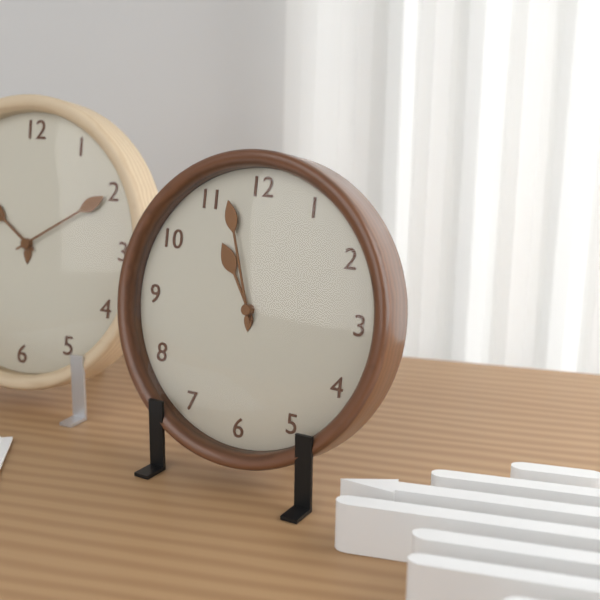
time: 10:57
